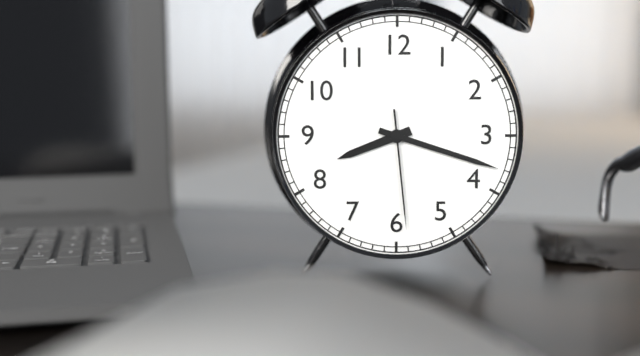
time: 8:18:29
